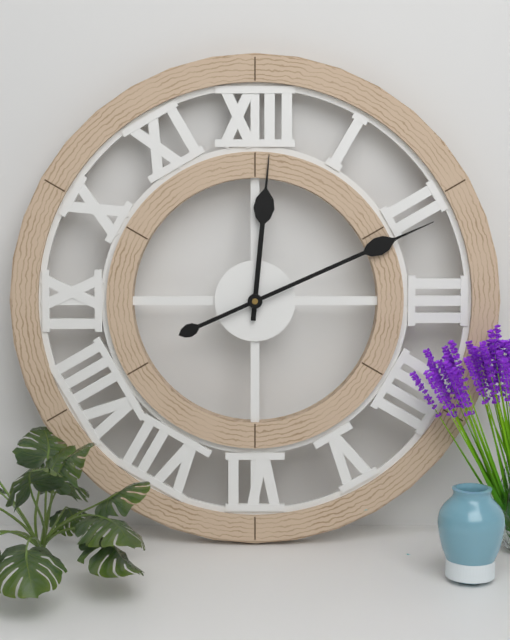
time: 12:11
